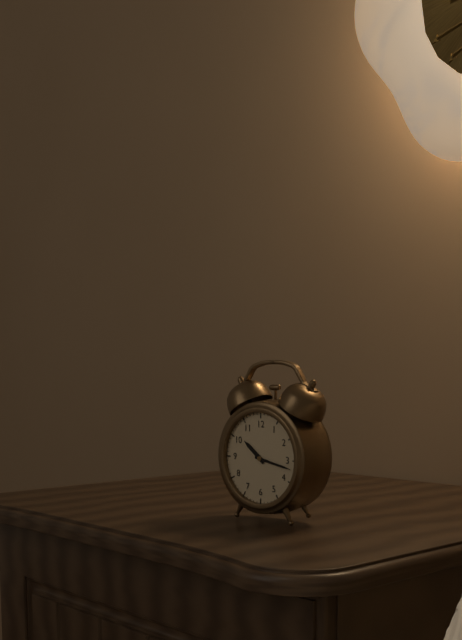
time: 10:17
